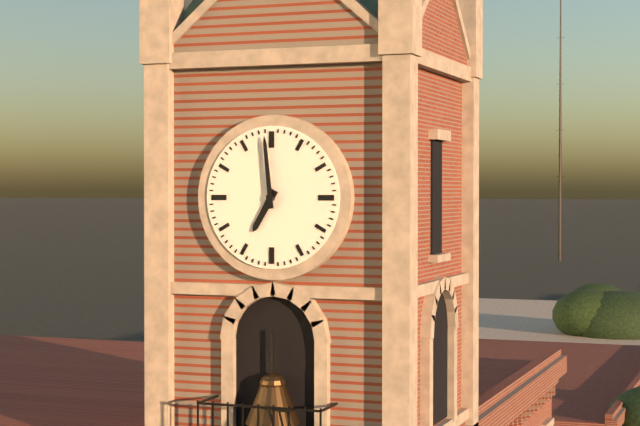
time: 6:59
